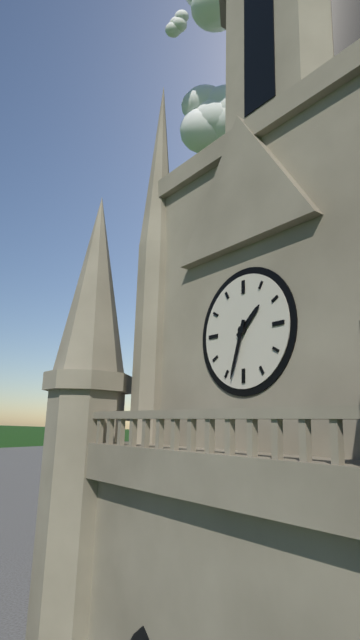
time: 1:33
